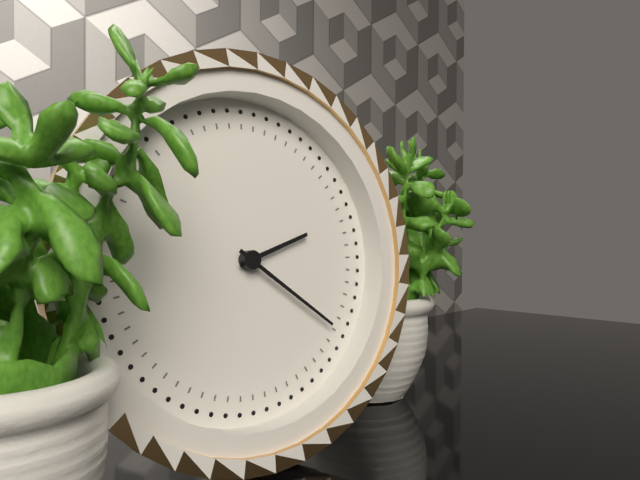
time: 2:21
